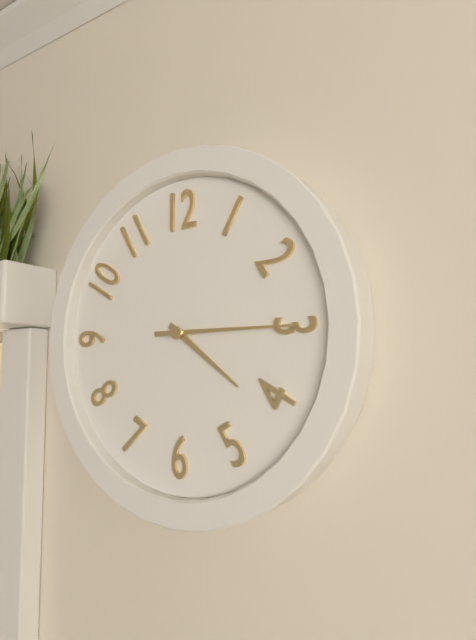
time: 4:15
